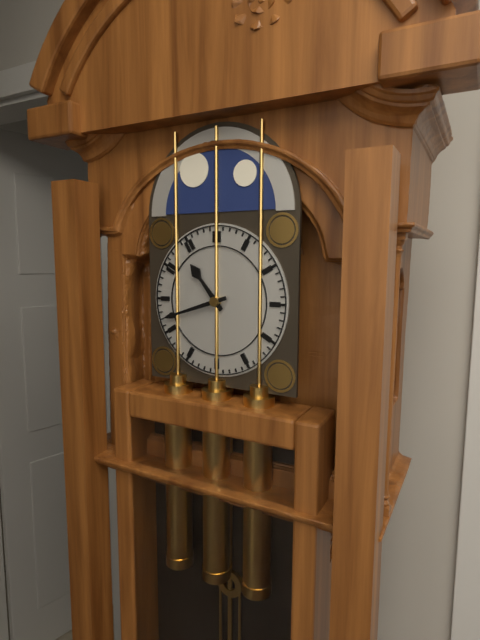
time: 10:42
